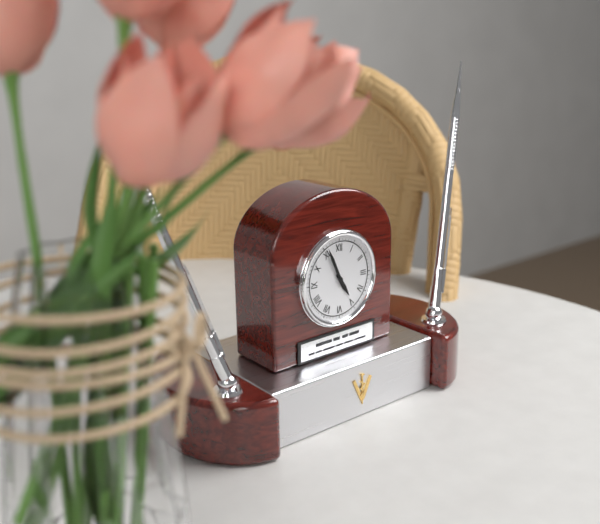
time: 4:56
